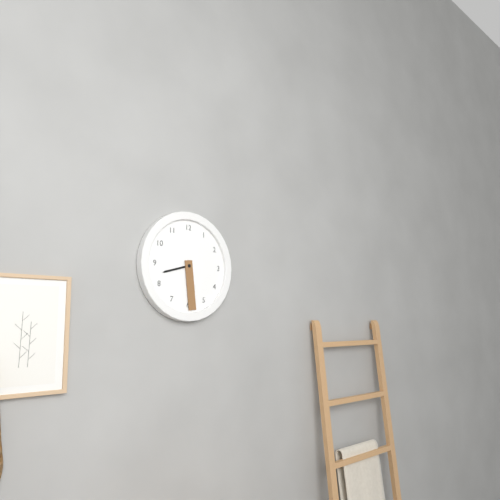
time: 8:29
